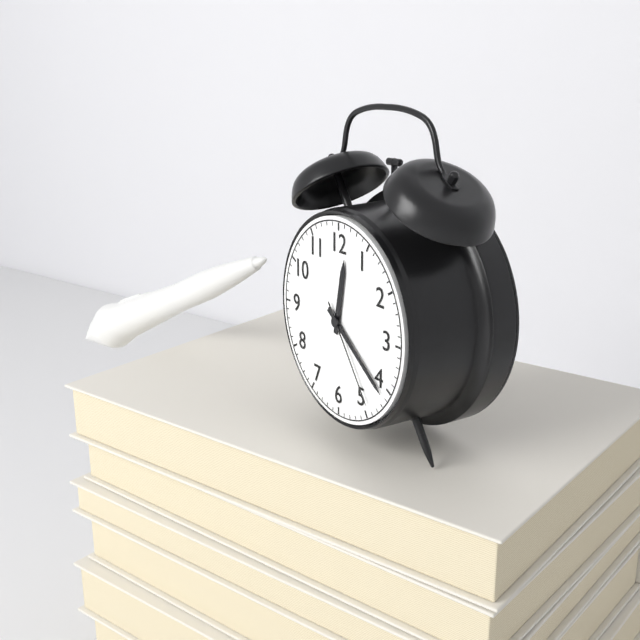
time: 12:21:24
